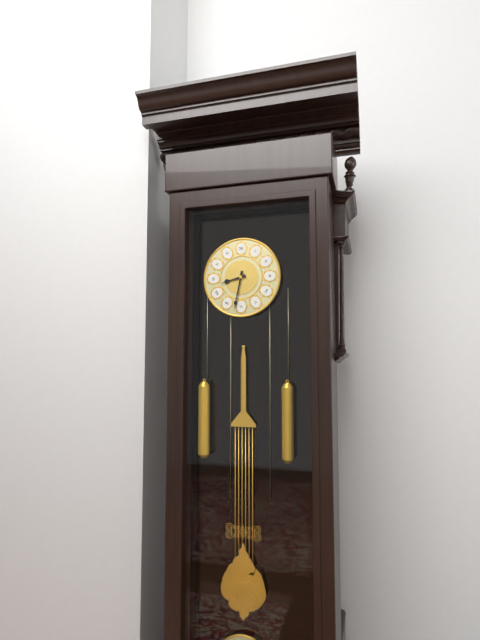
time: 8:32
